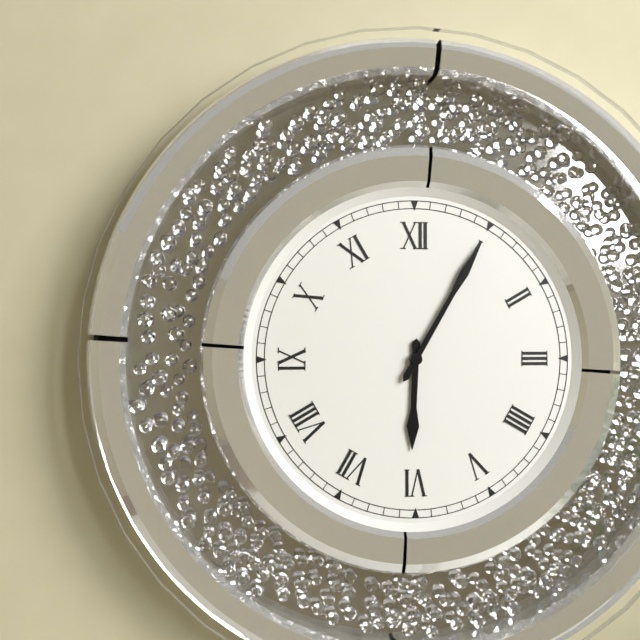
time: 6:05
